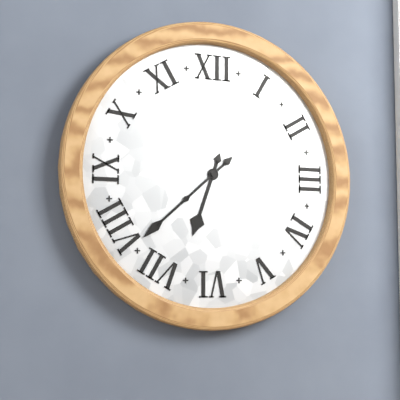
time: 6:38
